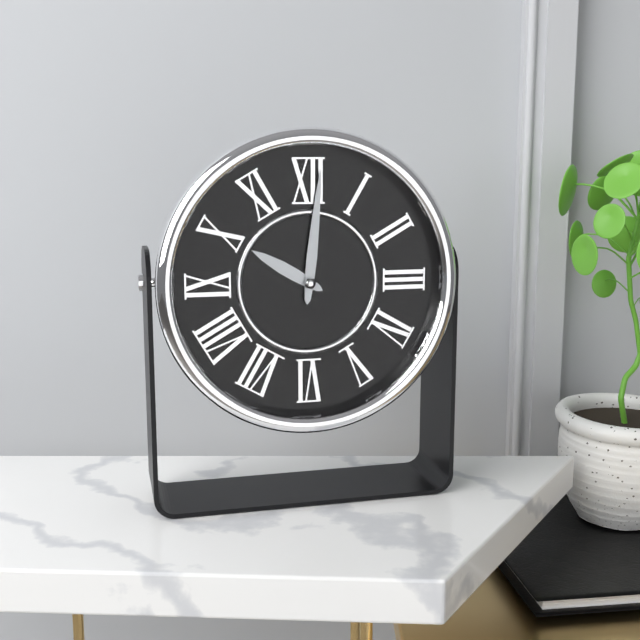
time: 10:01
